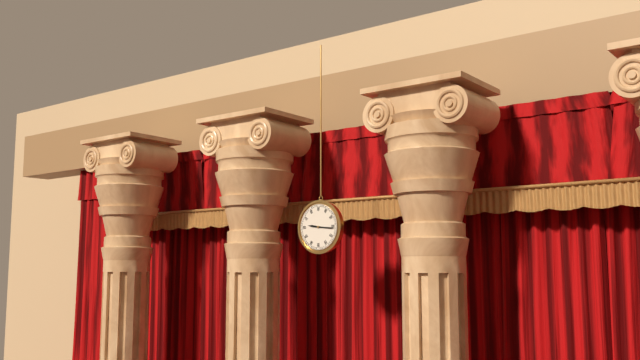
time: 9:16
